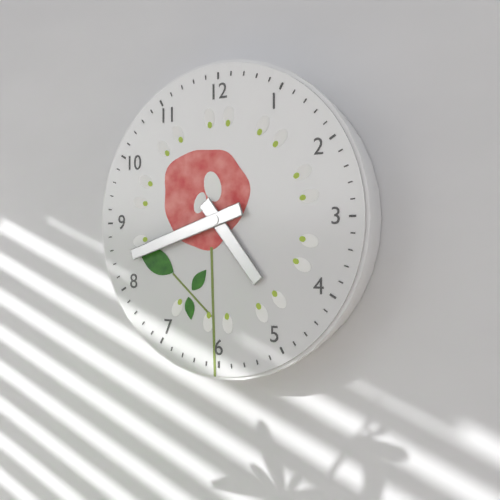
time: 4:42
